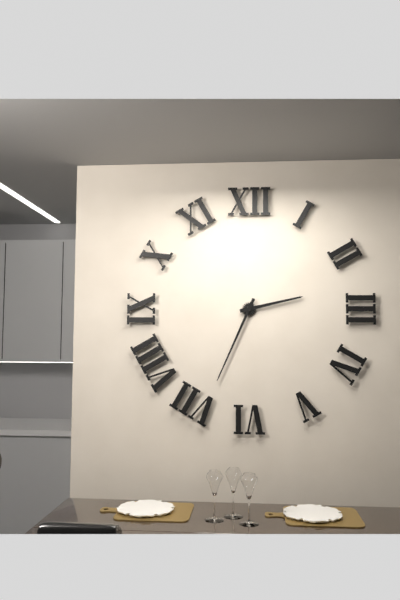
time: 2:34
